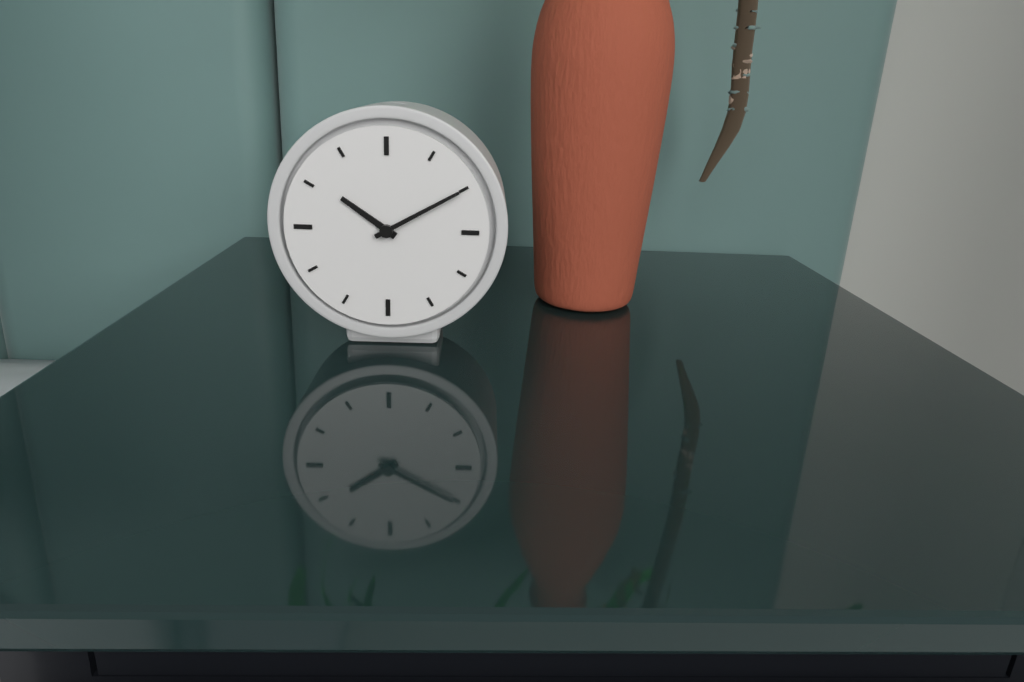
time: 10:10
